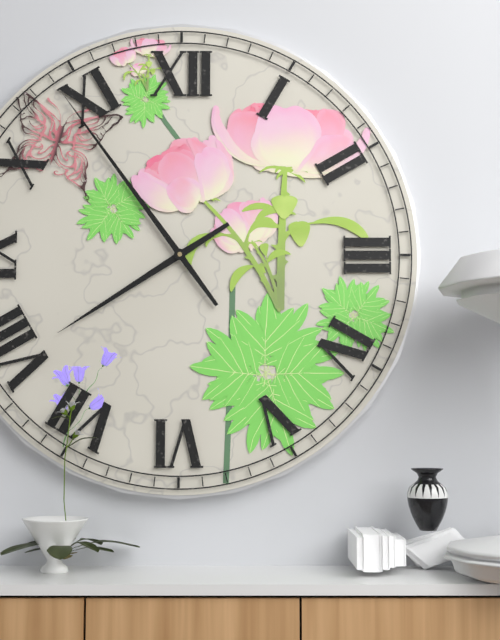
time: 7:54
